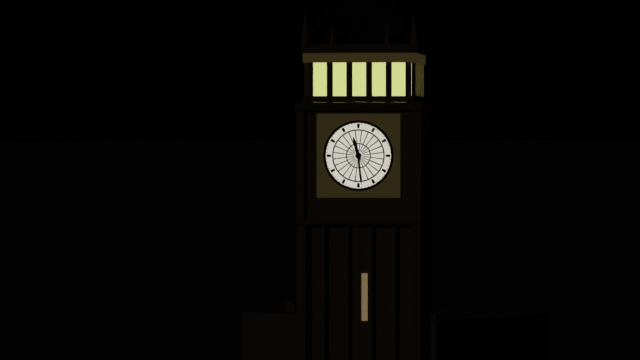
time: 11:29
